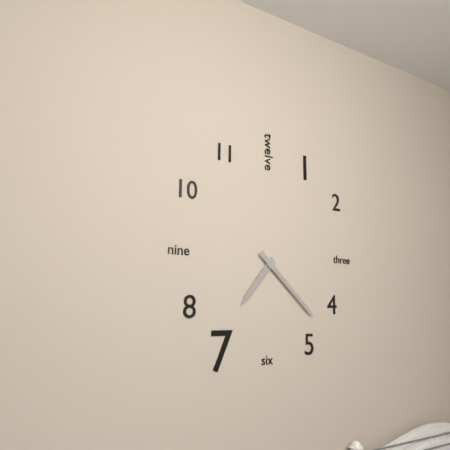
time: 7:22
